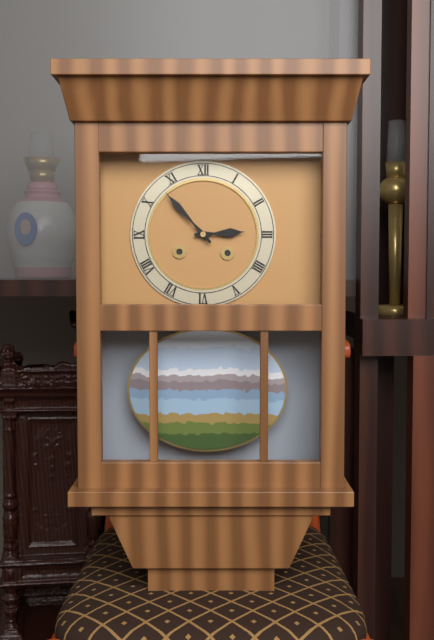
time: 2:53
